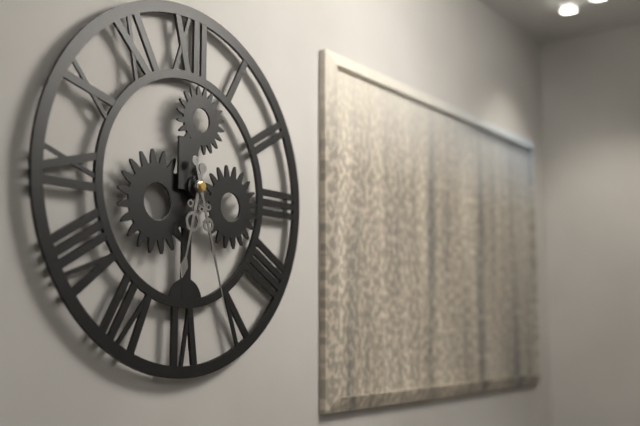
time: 6:27
